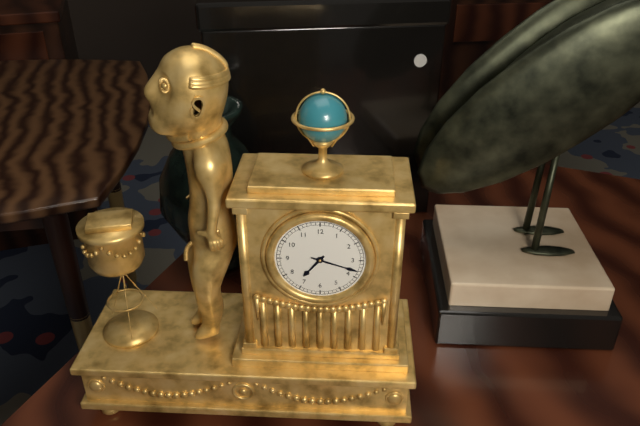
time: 7:18
